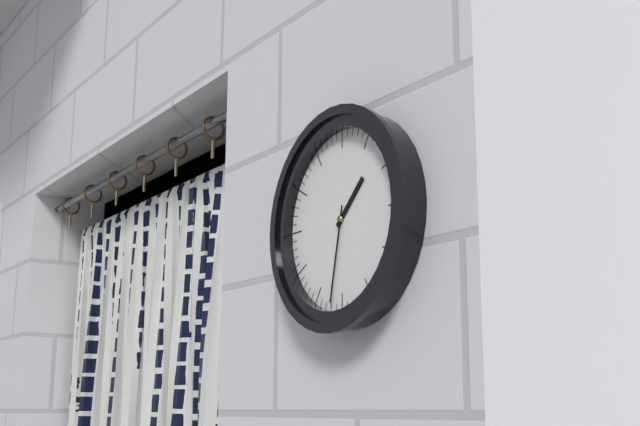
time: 1:32
